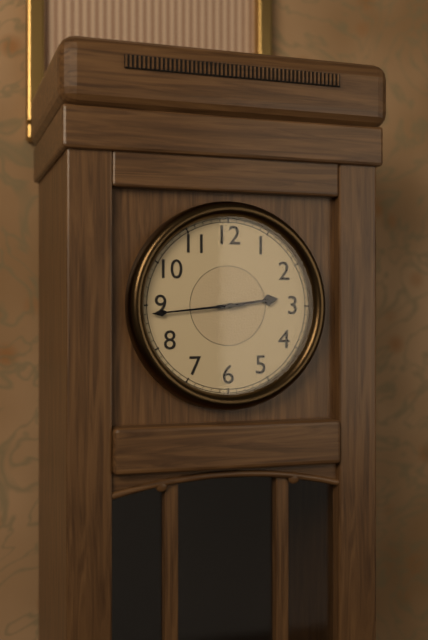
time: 2:44
